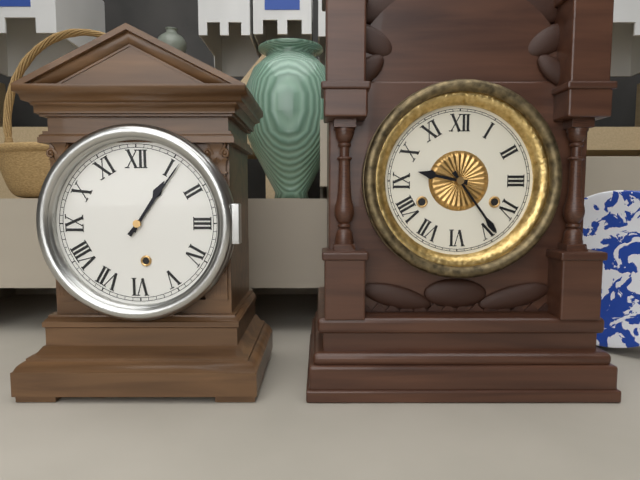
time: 1:06
